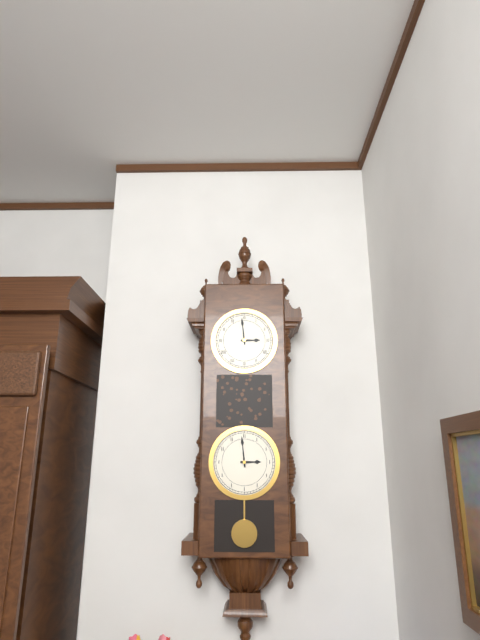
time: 2:59
